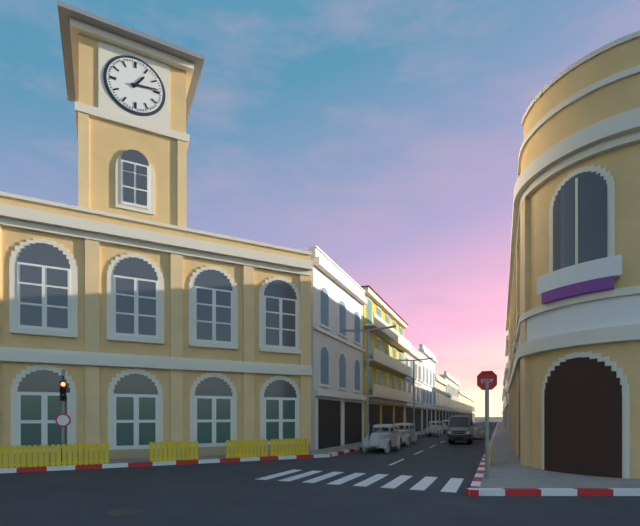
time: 1:14
